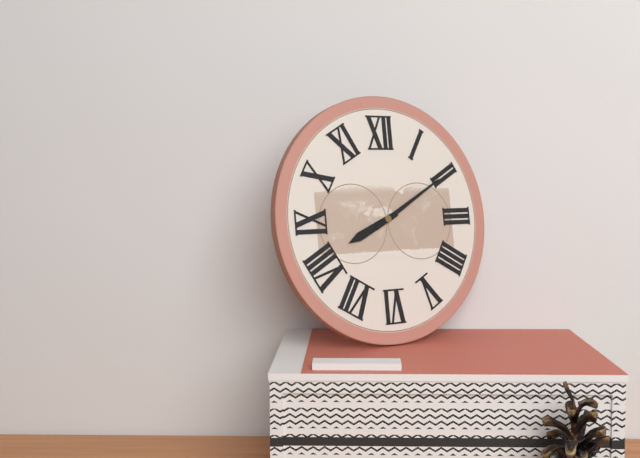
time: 8:10
